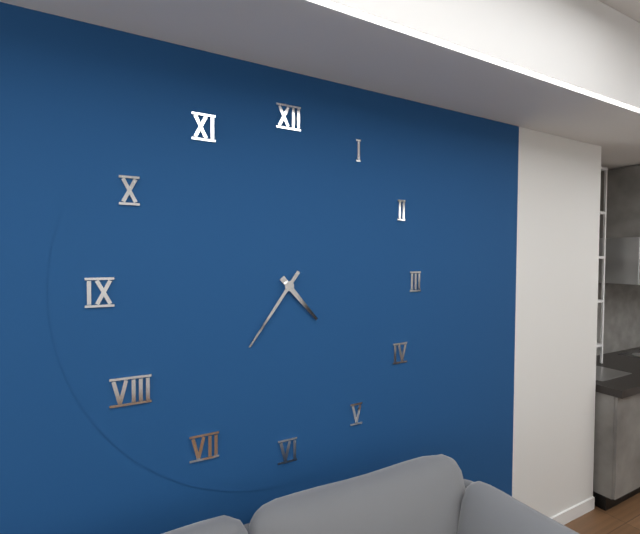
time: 4:36
